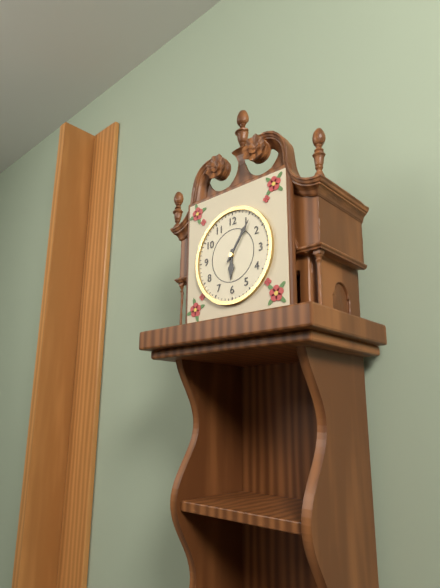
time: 6:06
